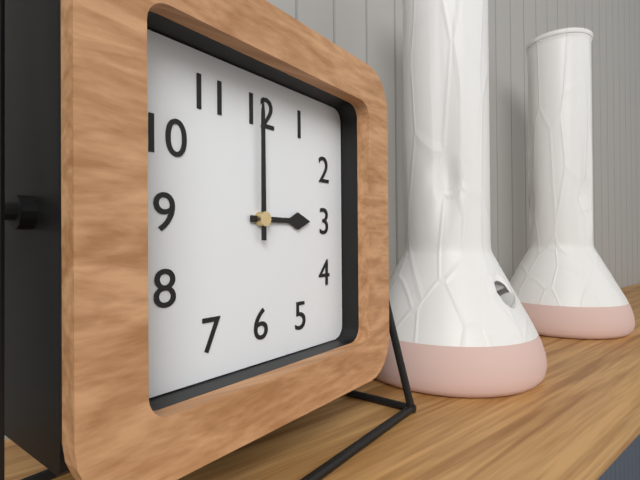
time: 3:00
